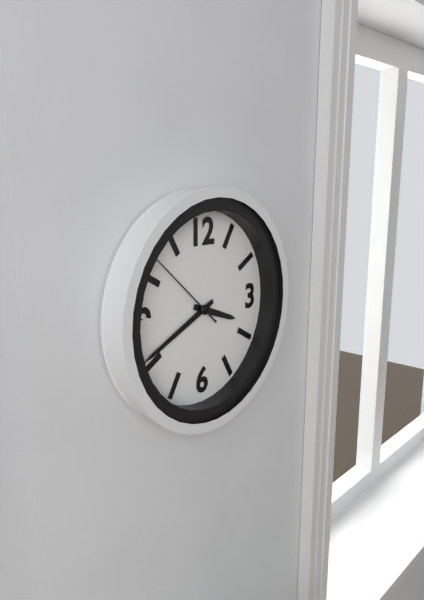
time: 3:41:52
